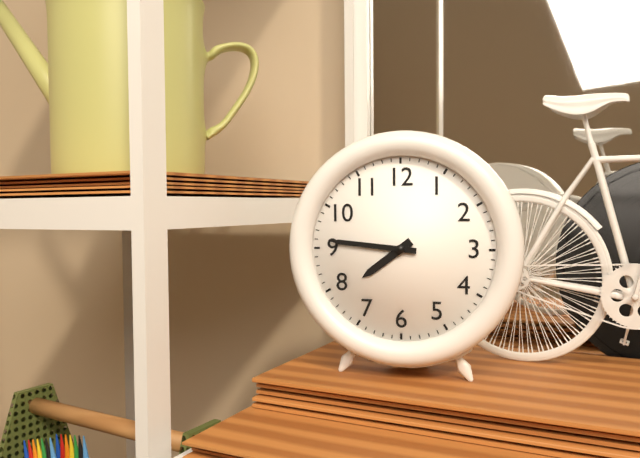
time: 7:46
